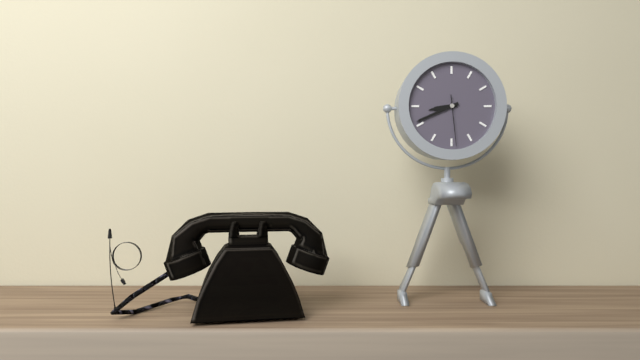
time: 8:41:29
